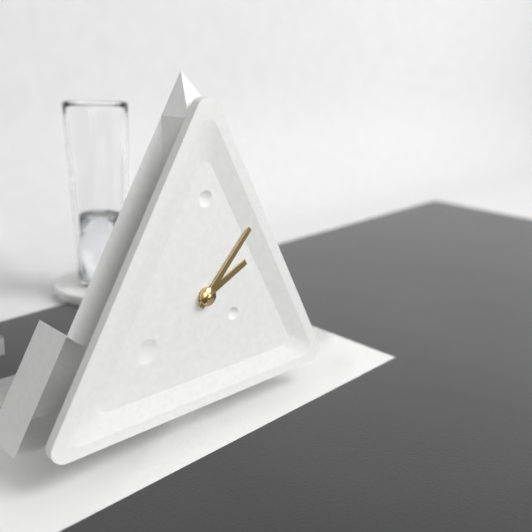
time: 2:07
